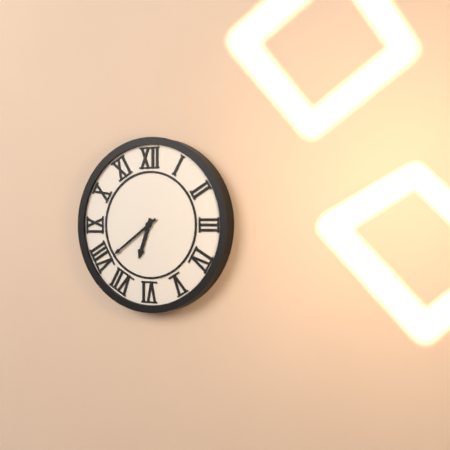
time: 6:39
